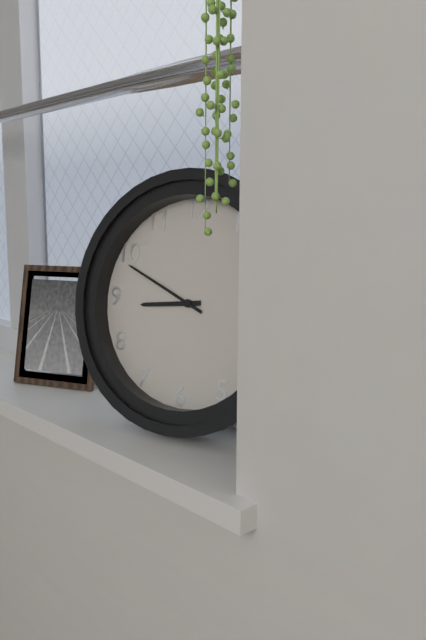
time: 8:49
